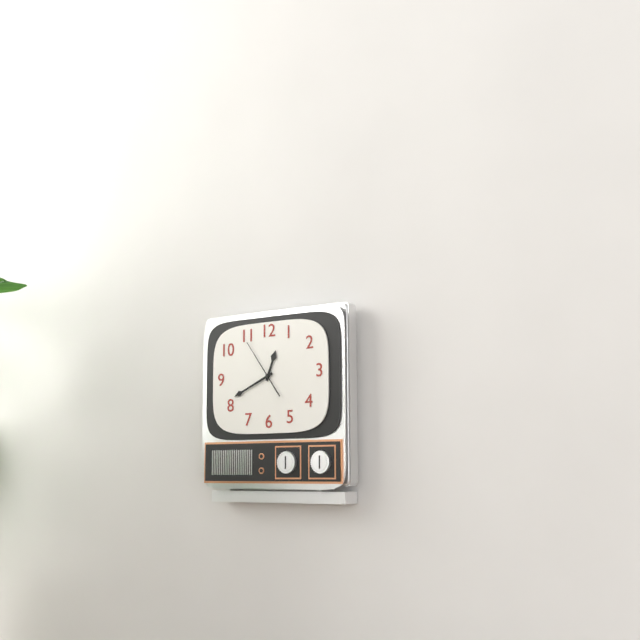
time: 12:41
